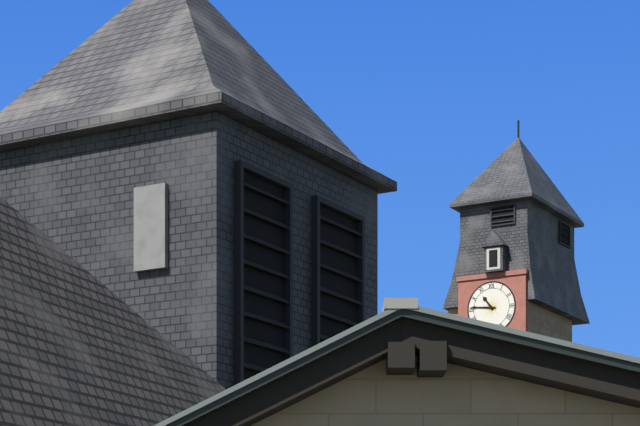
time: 10:46
